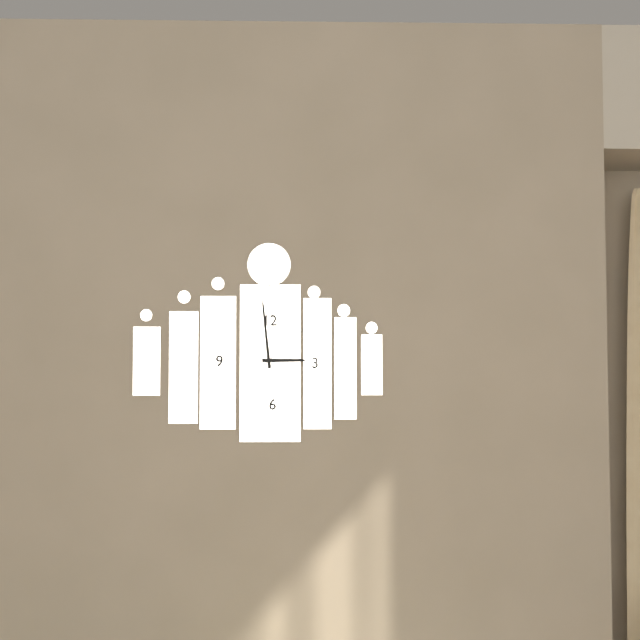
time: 2:59:08
